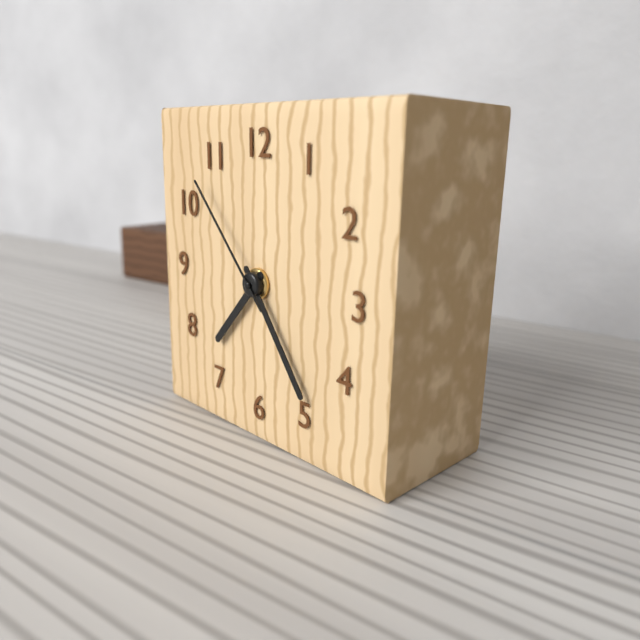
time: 7:24:53
